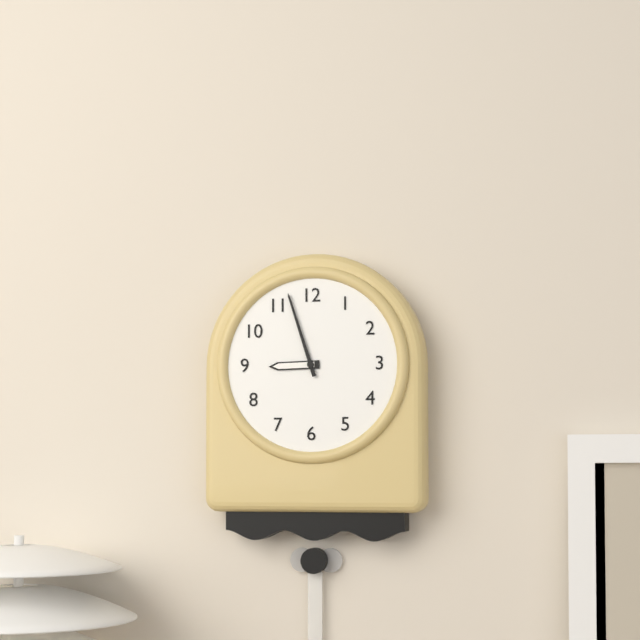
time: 8:57
